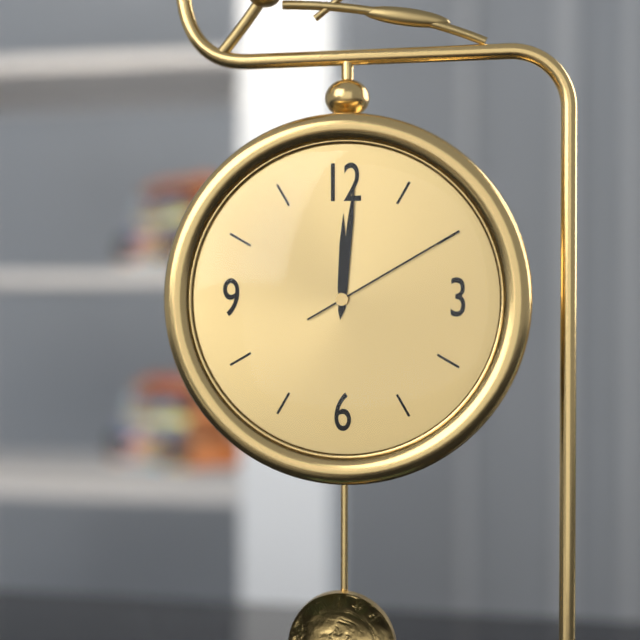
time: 12:01:10
